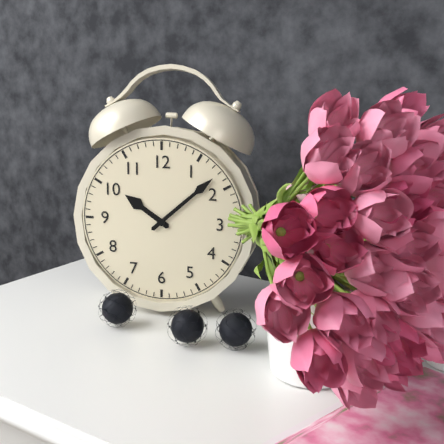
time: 10:08
